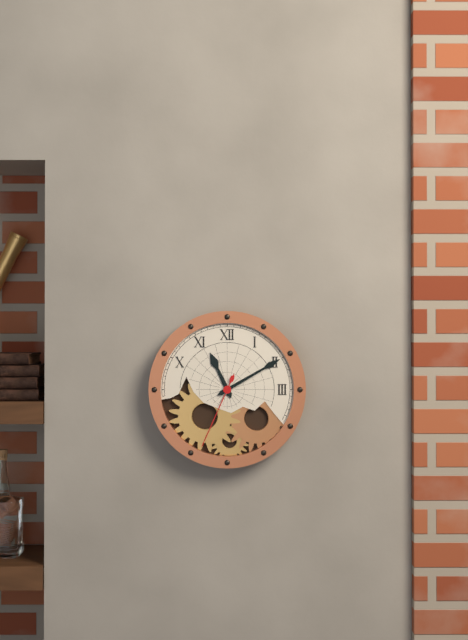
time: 11:10:34
